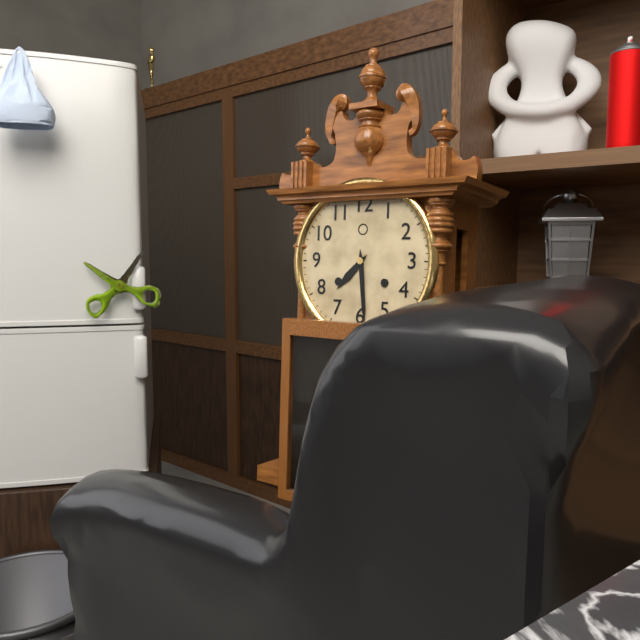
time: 7:29
